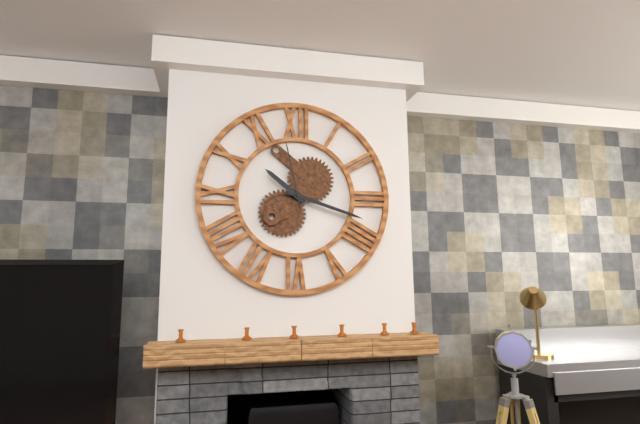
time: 10:18:58
